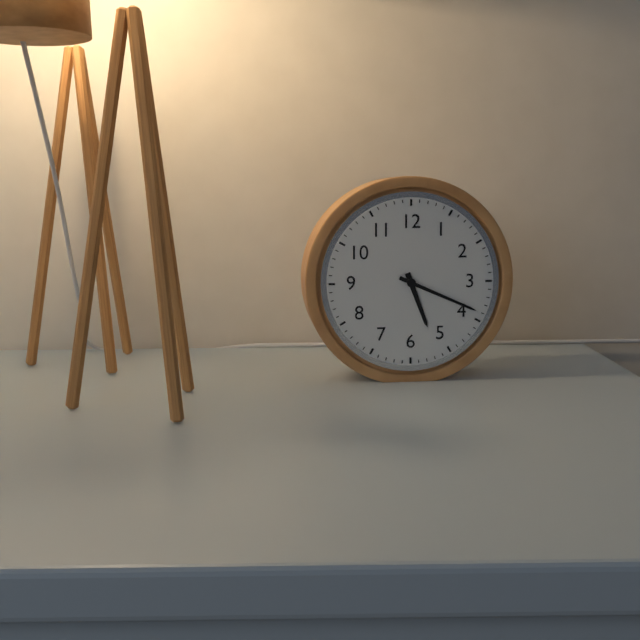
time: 5:19
